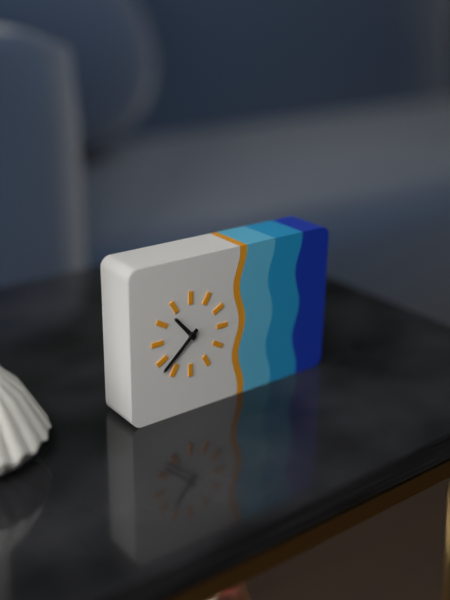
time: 10:38
